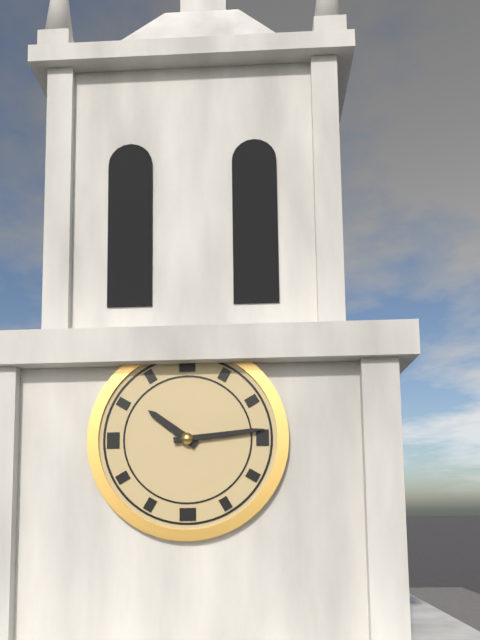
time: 10:14
